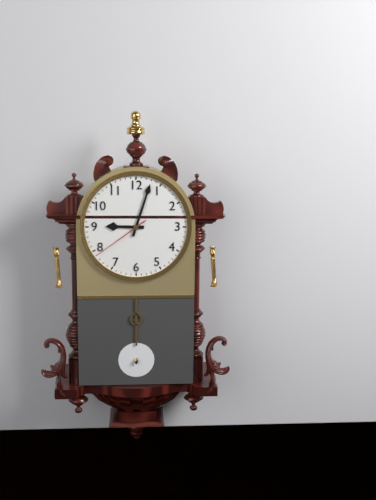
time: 9:03:39
